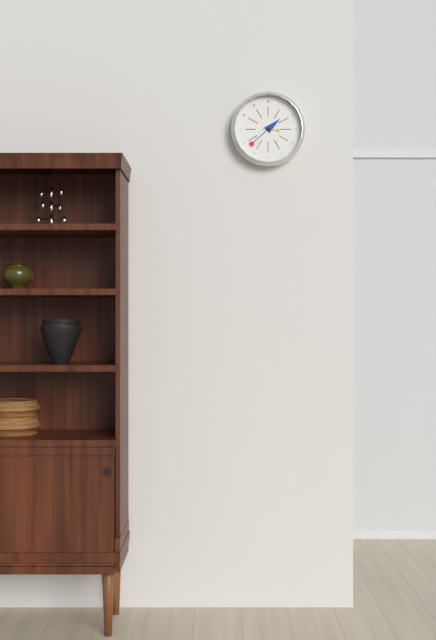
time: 1:38
